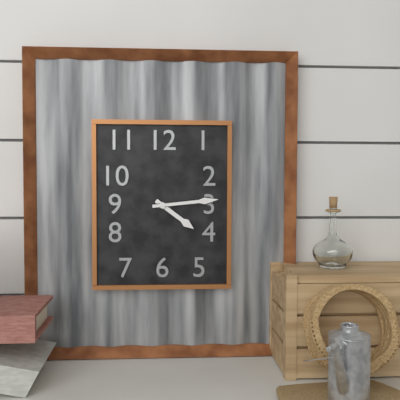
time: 4:14
